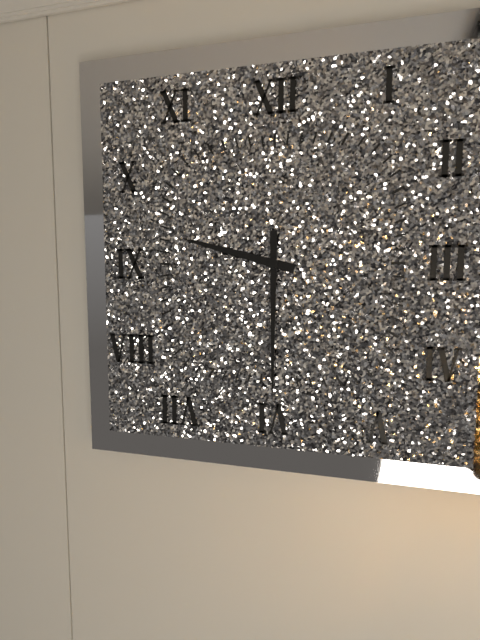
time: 9:30
